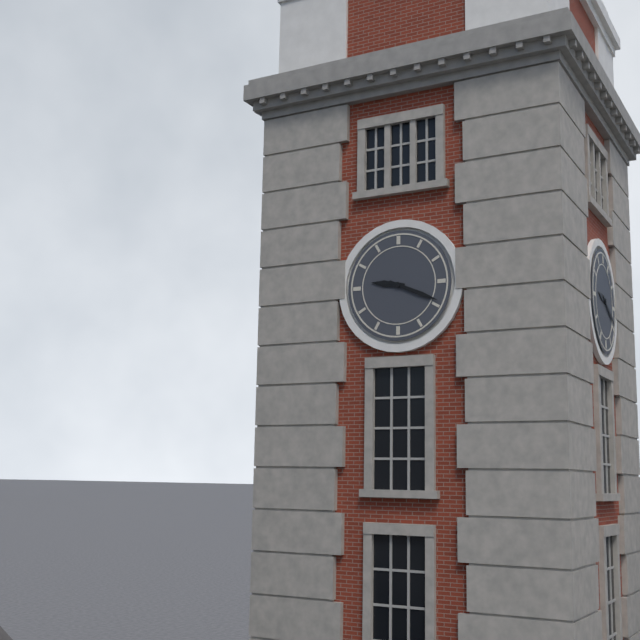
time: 9:19
